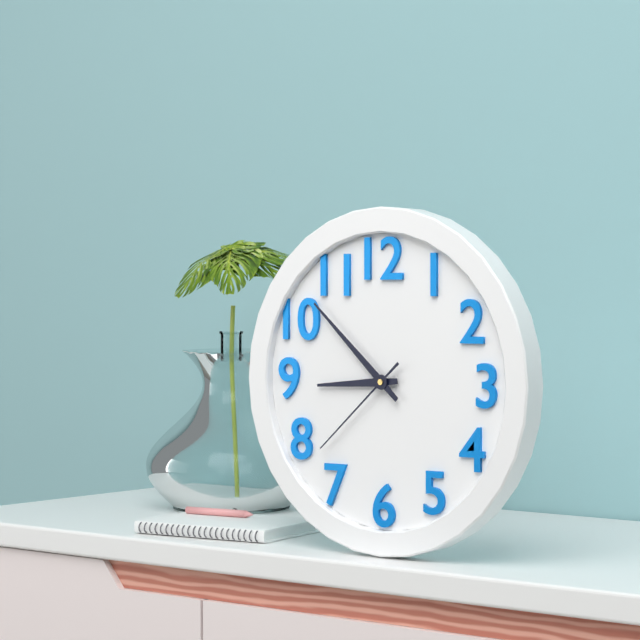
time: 8:52:38
